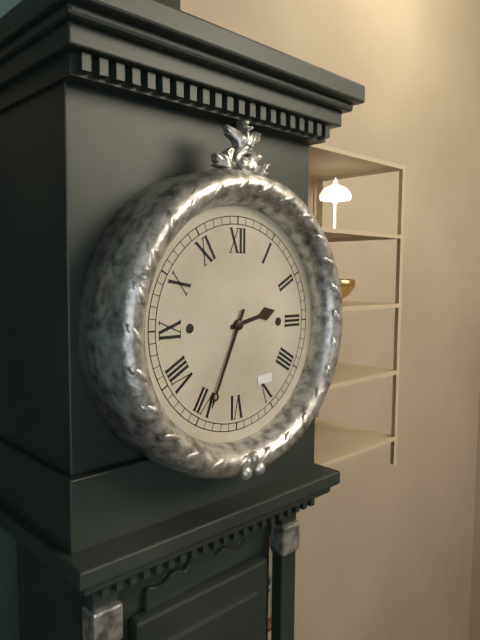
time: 2:34
